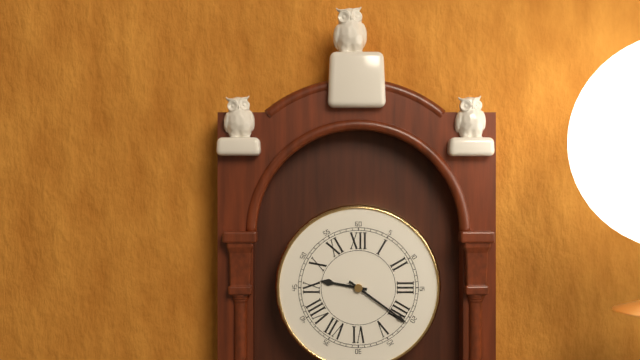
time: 9:21
